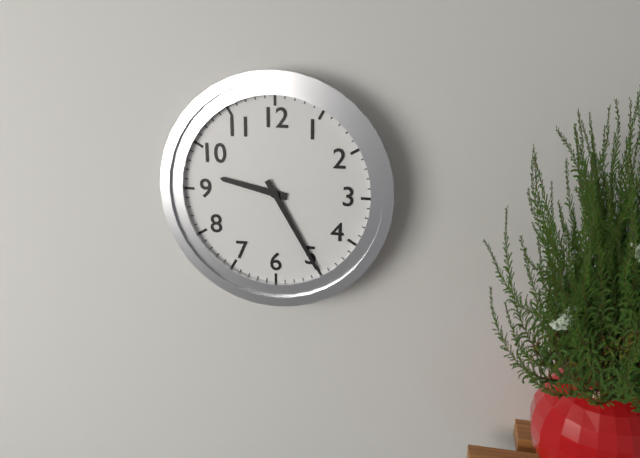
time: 9:25
